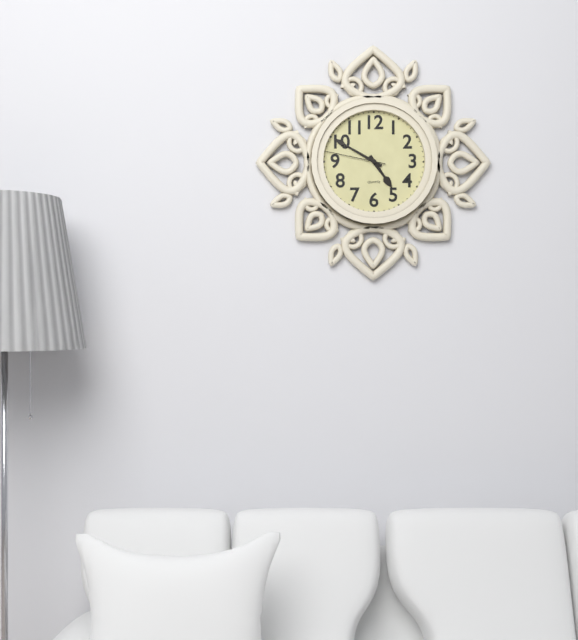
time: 4:50:47
